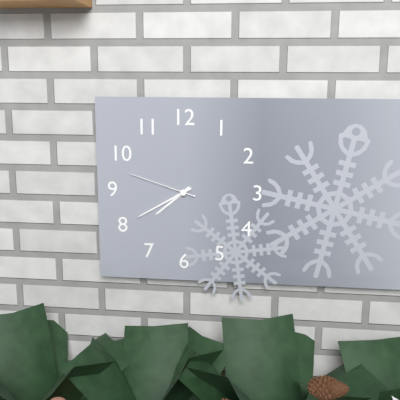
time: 7:40:48
